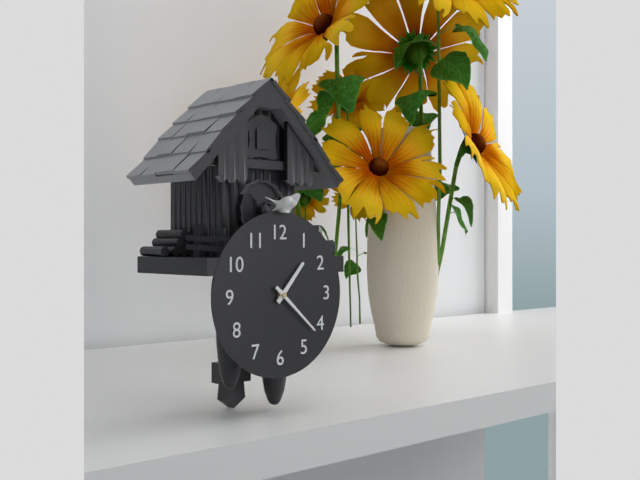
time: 1:22
